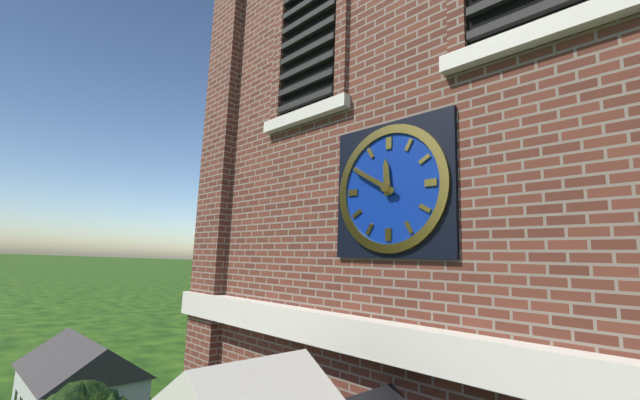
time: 11:50
